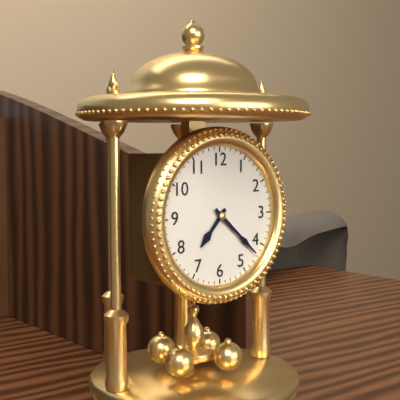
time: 7:22
